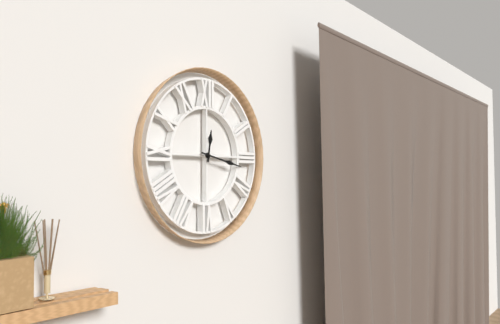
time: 12:17
